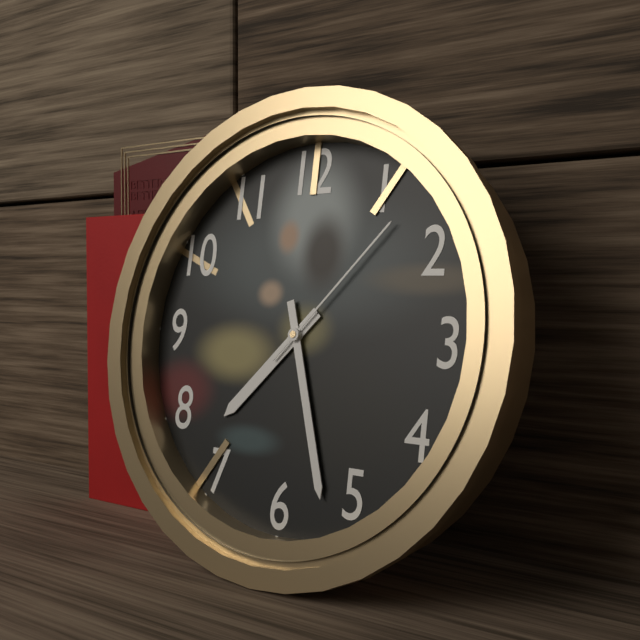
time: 7:27:07
